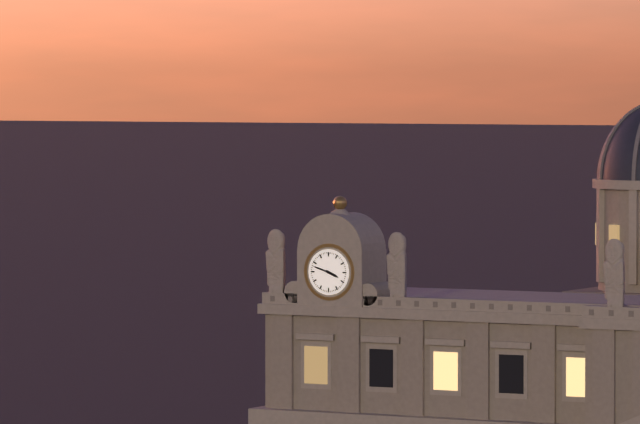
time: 3:48
